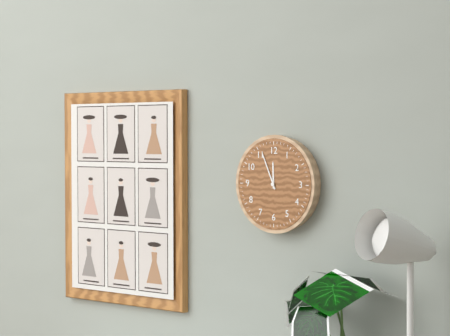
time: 11:56
